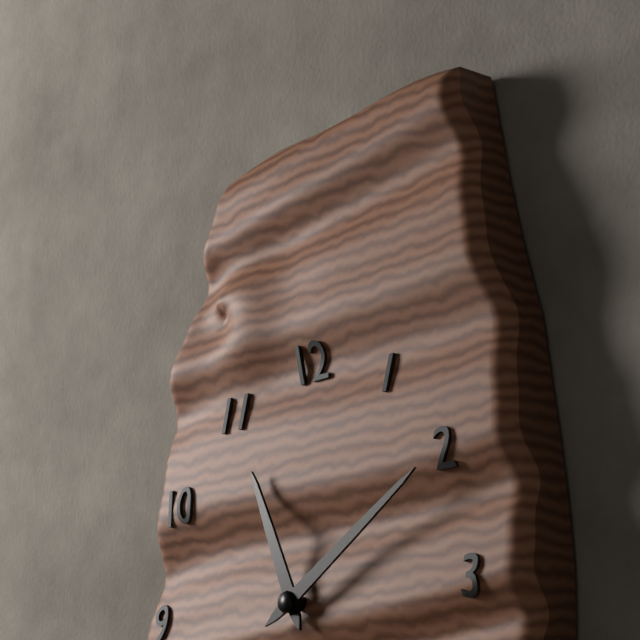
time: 11:10
